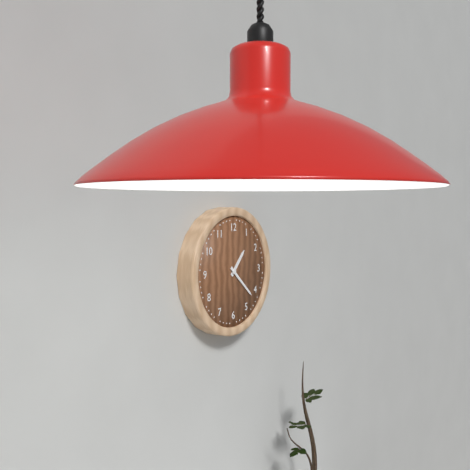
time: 1:22
